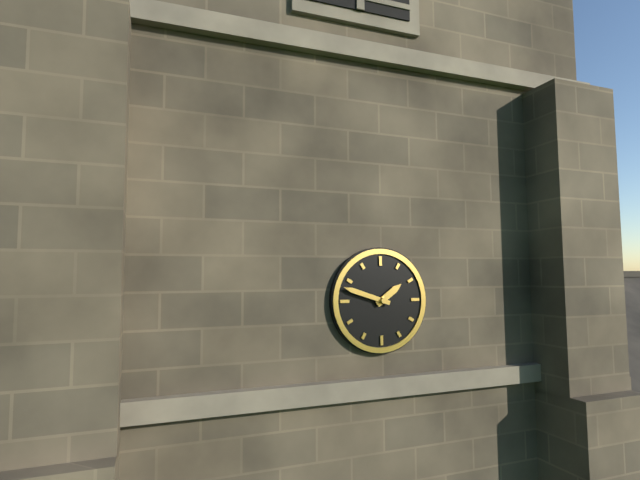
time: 1:48
